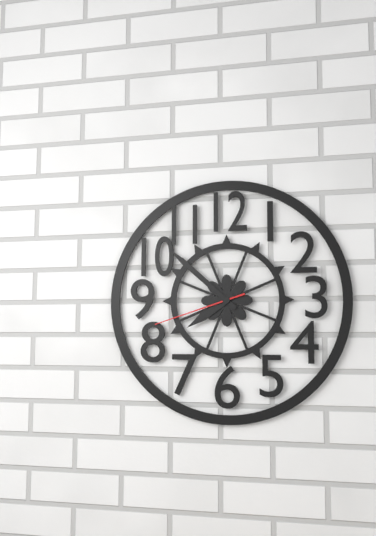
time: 7:52:42
